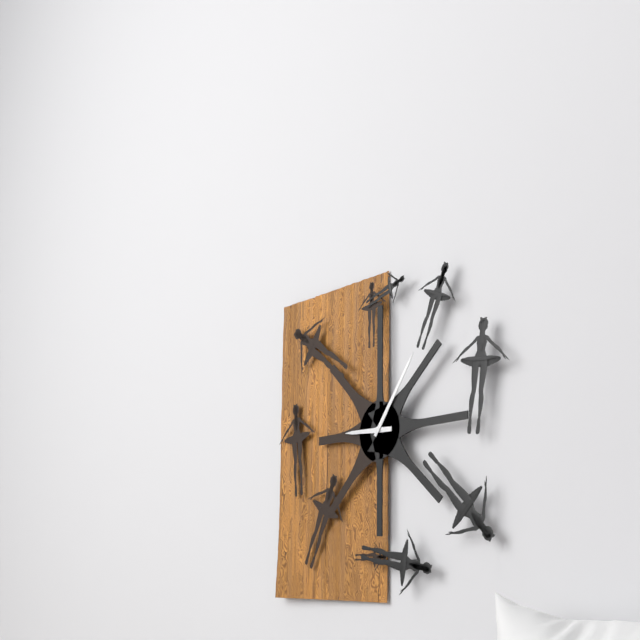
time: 9:06
